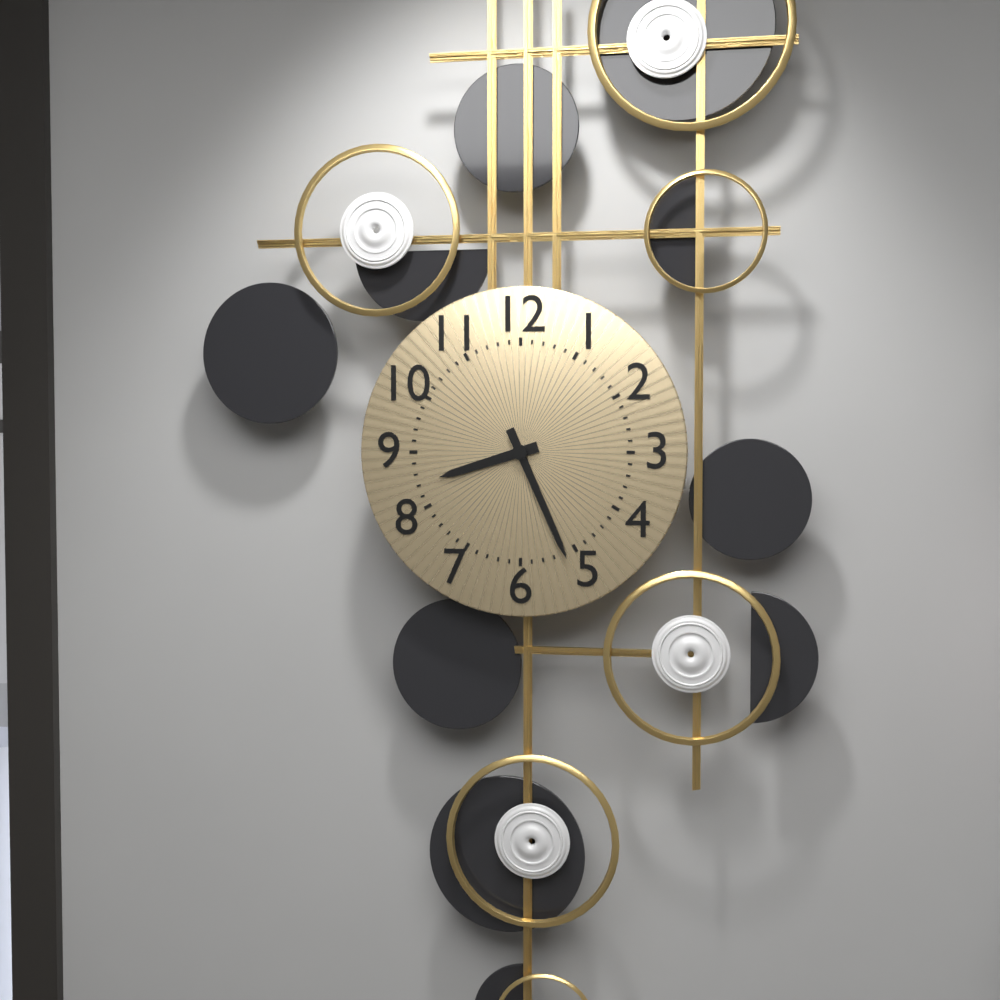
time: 8:26
